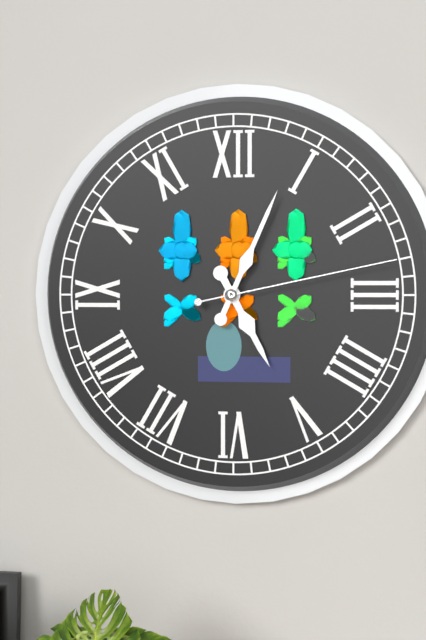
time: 5:04:13
